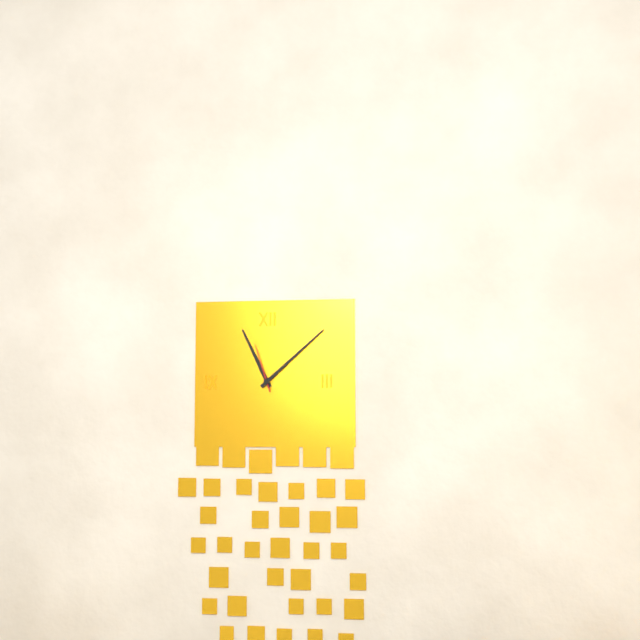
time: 11:08
